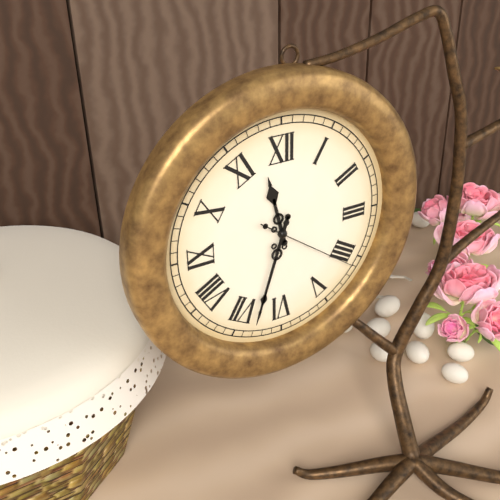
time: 11:33:21
